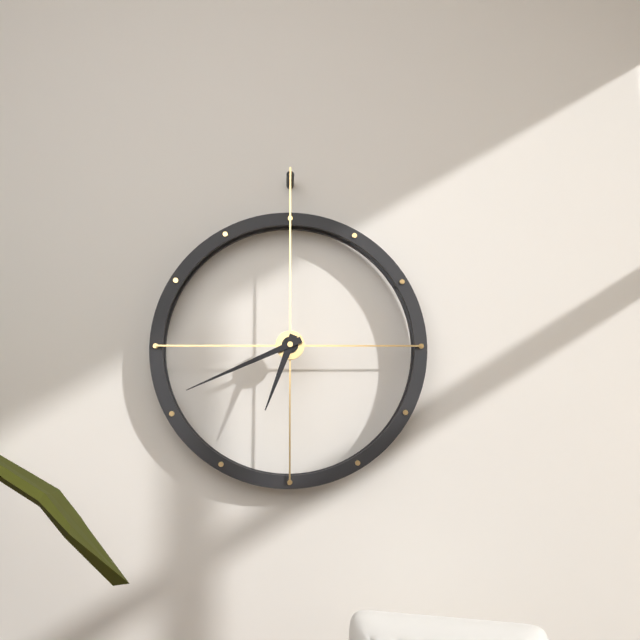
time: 6:41
